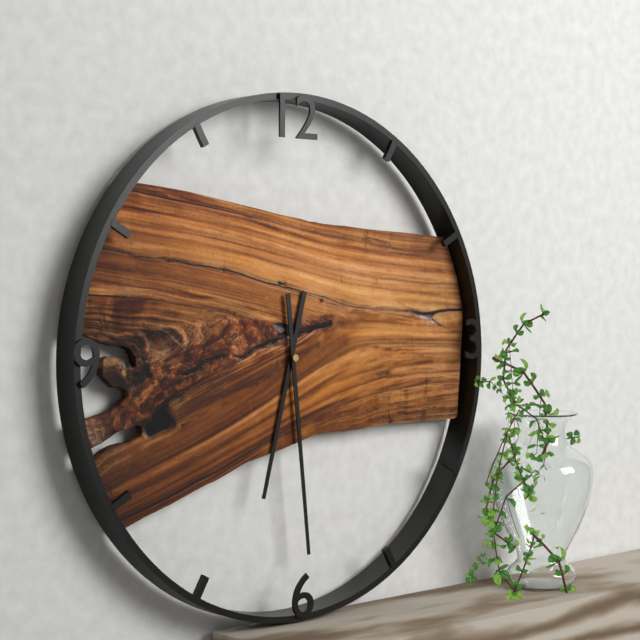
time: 6:29
